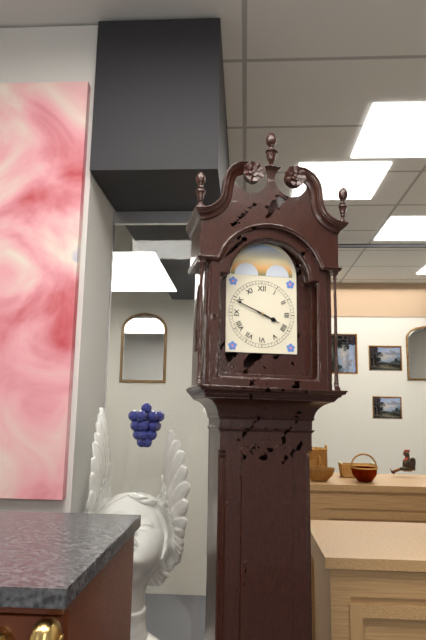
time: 3:49
